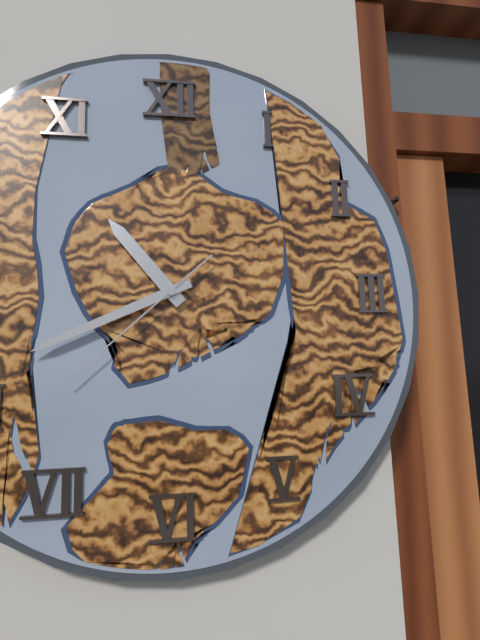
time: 10:41:38
